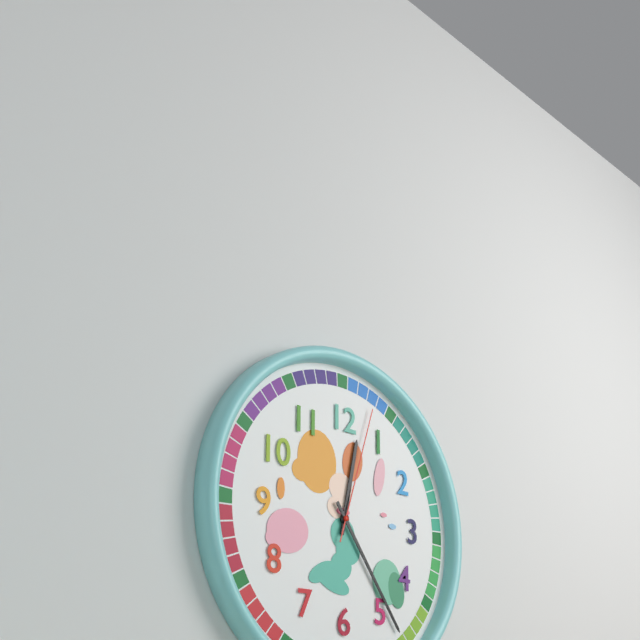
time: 12:24:03
